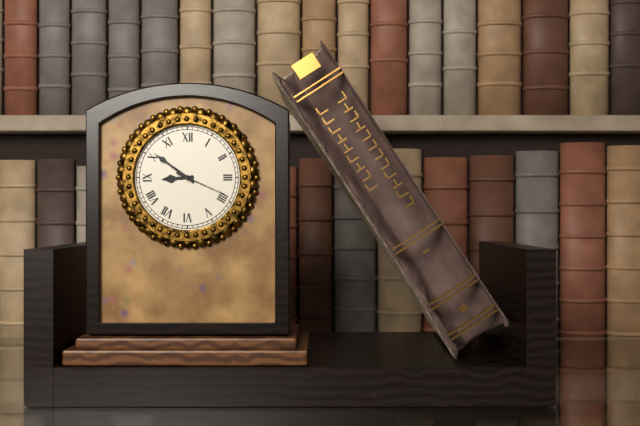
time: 8:51:19
